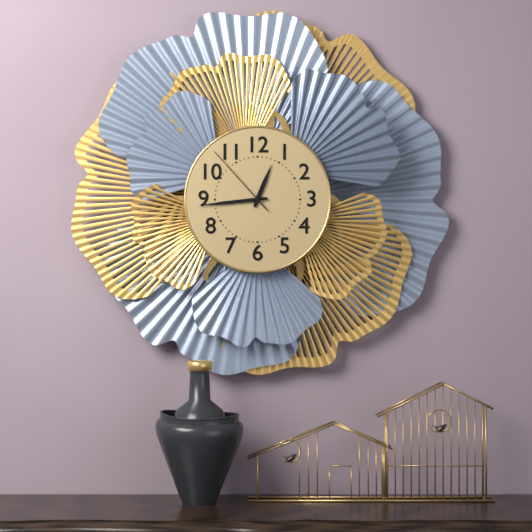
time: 12:44:53
